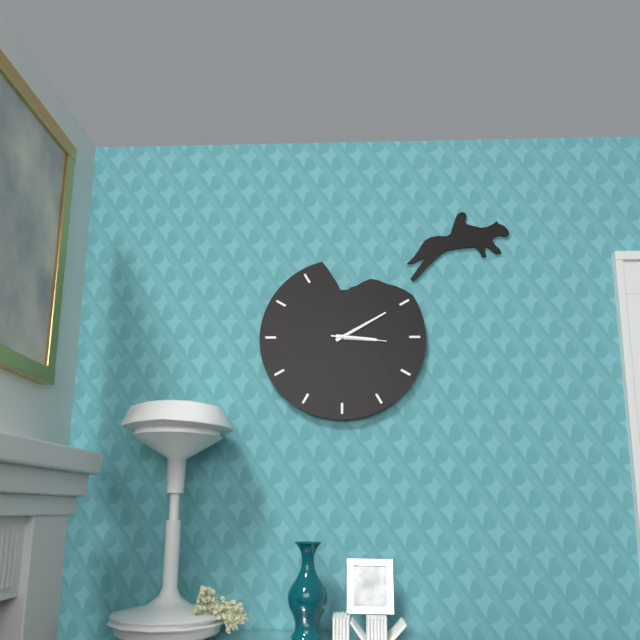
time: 3:10:16
